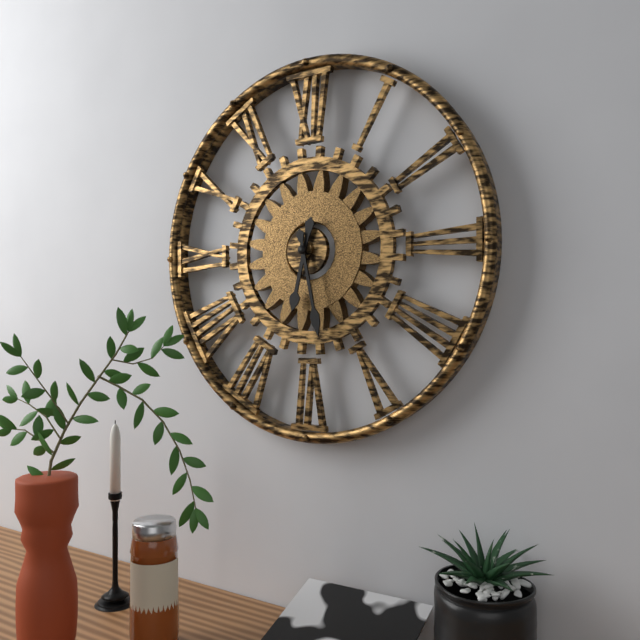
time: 6:28
